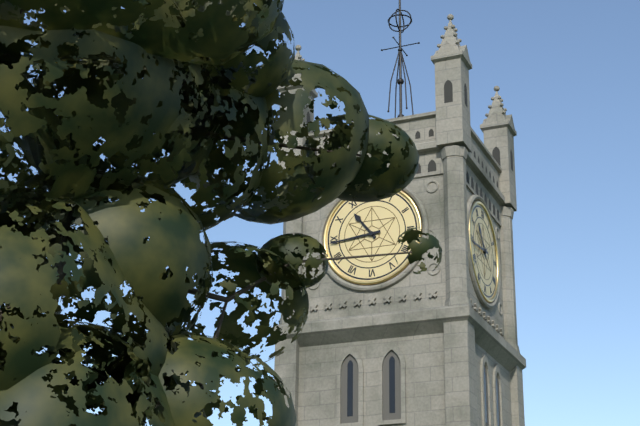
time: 10:44
